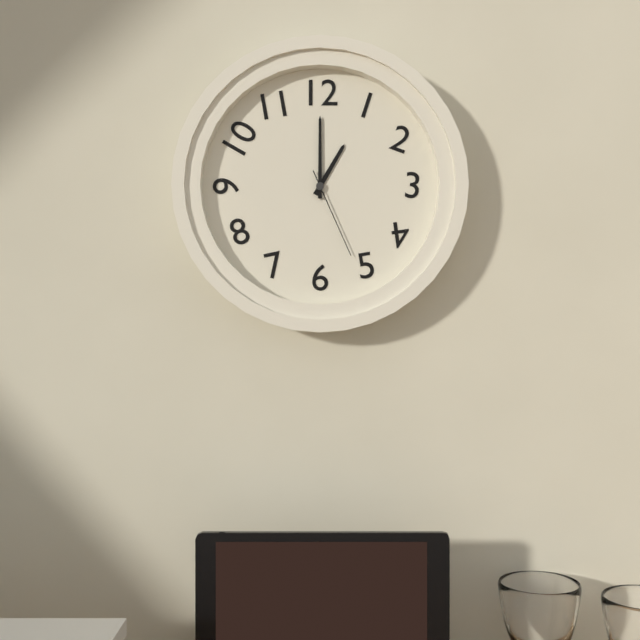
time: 1:00:26
